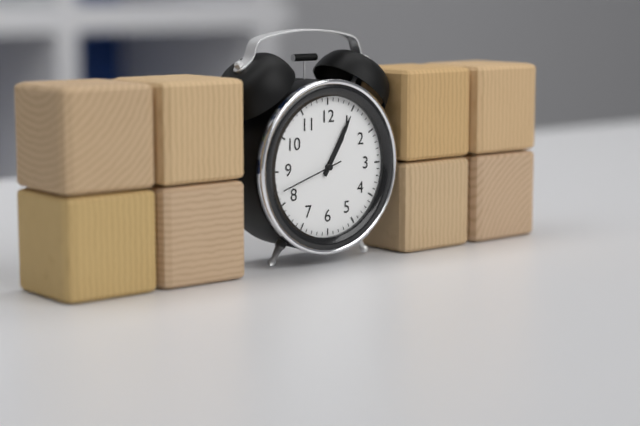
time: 1:05:42
